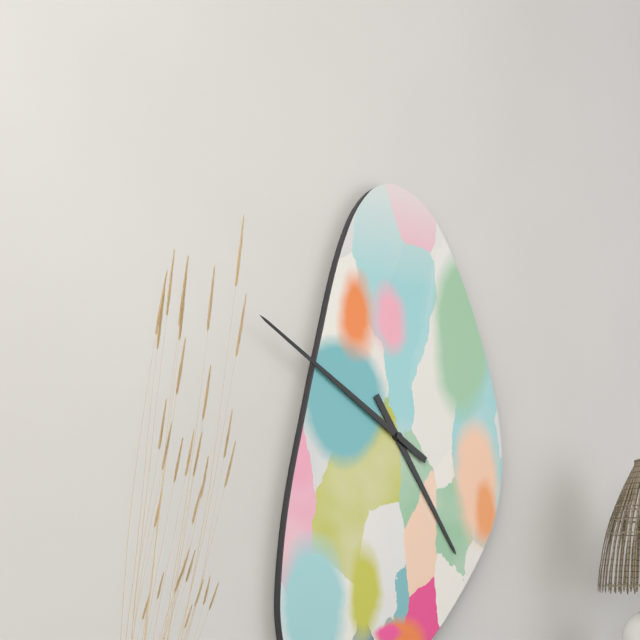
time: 4:50
